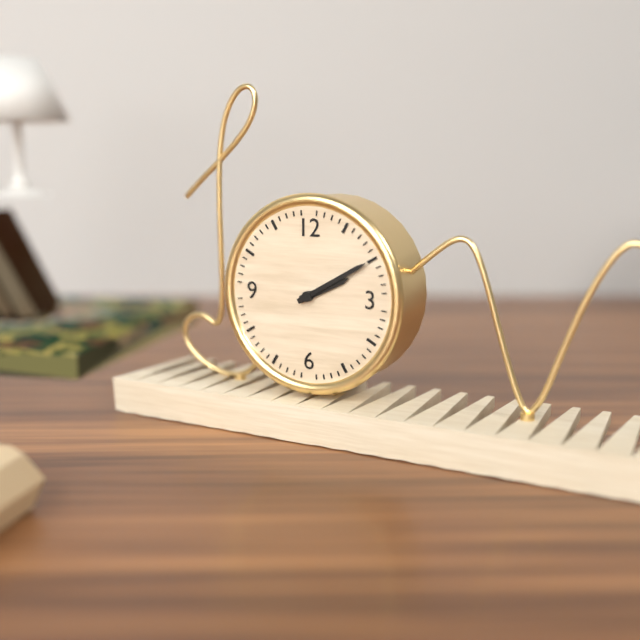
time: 2:10
